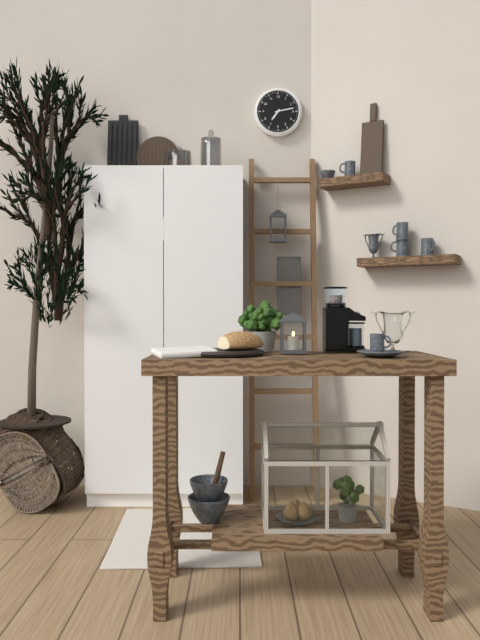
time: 7:13
